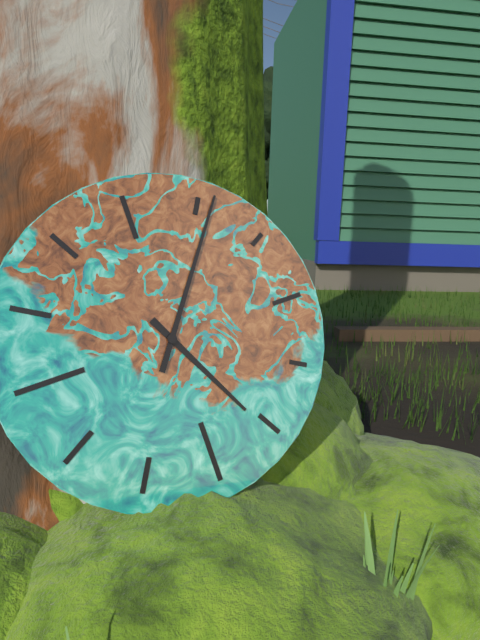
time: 5:06
